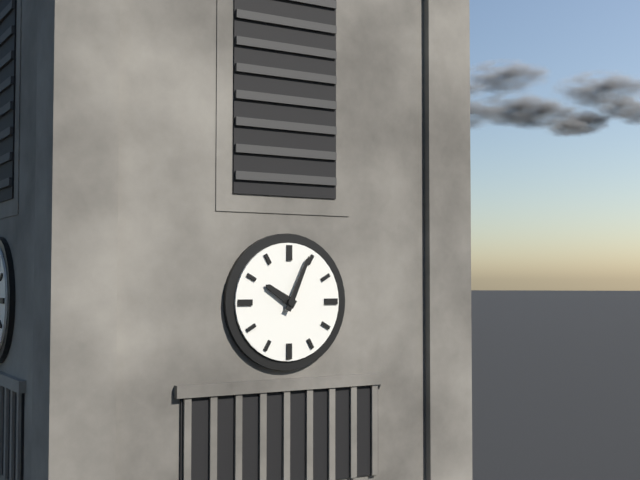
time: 10:04
